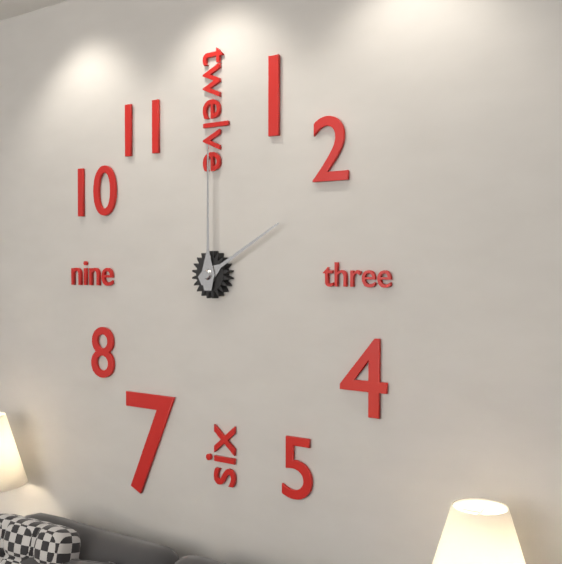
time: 2:00
